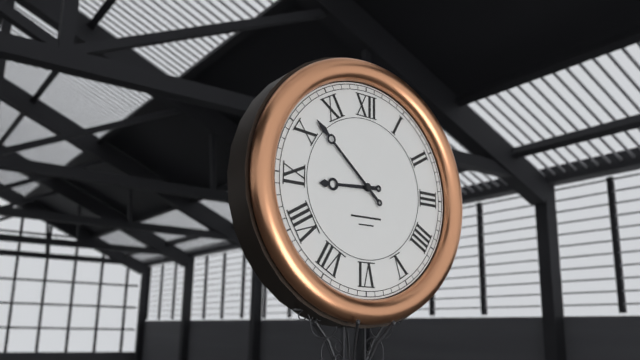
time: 8:52
